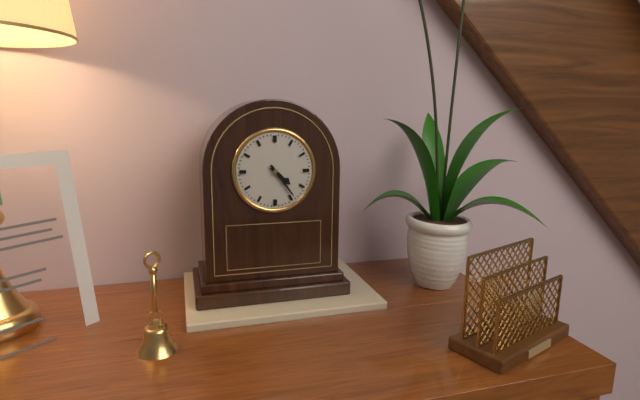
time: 4:24
